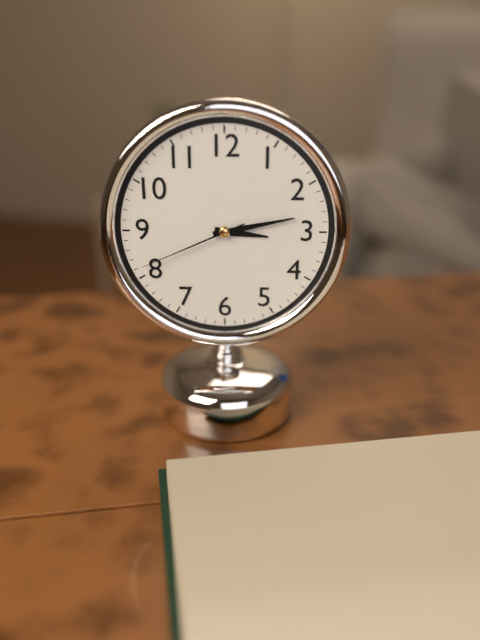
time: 3:13:41
